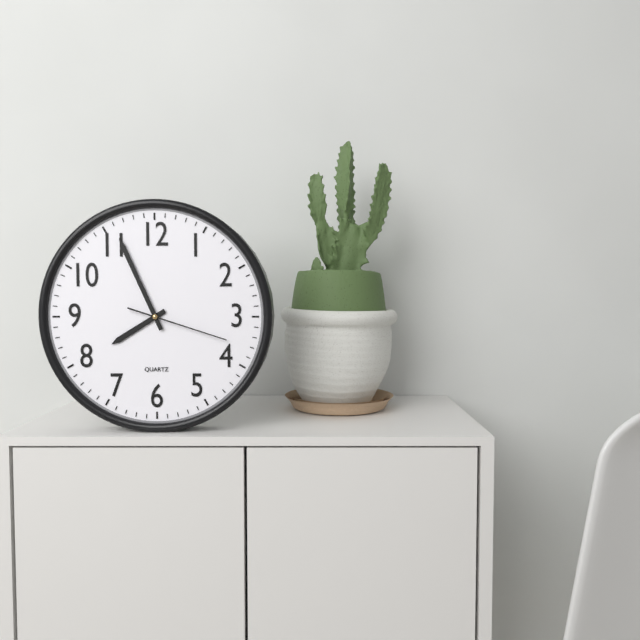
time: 7:56:18
